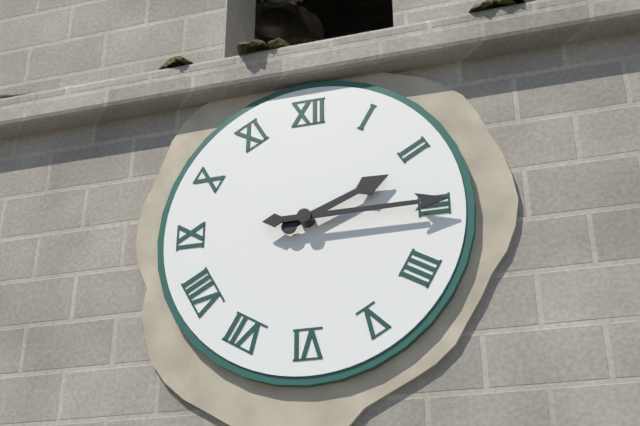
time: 2:15
